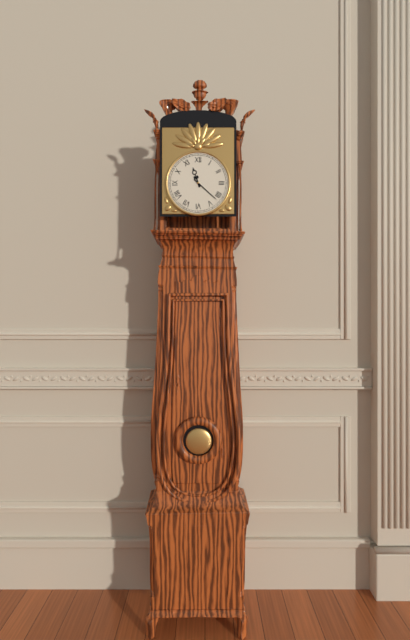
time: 11:22
